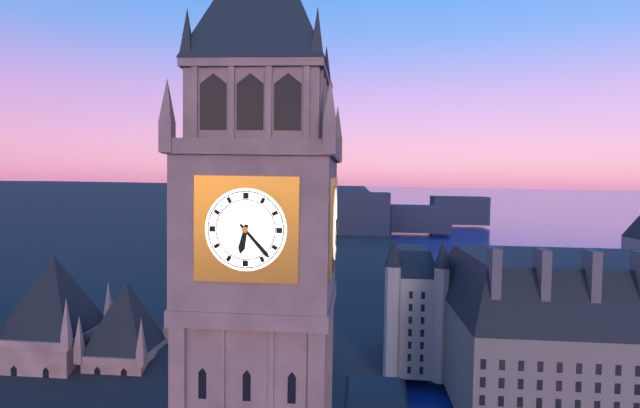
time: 6:23
